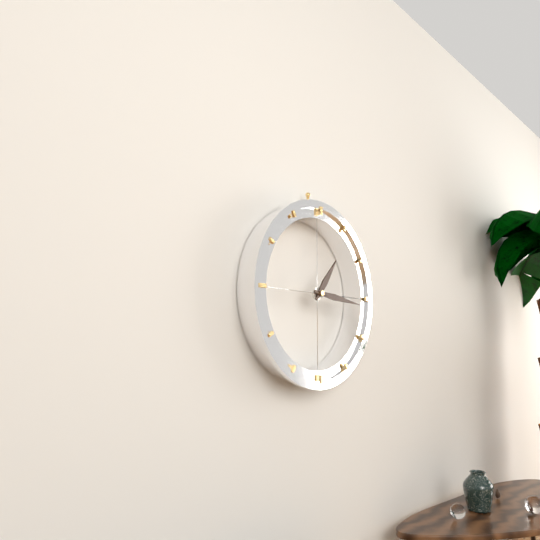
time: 1:16
